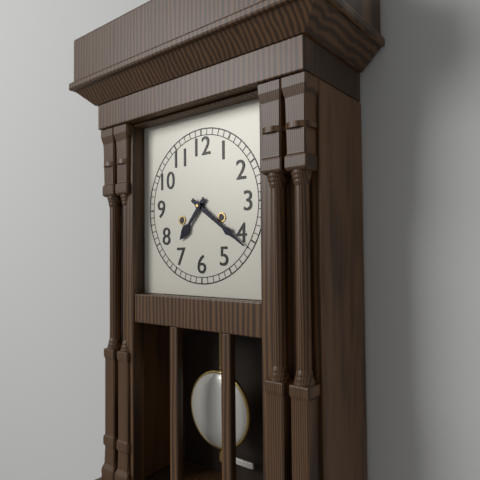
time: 7:21
